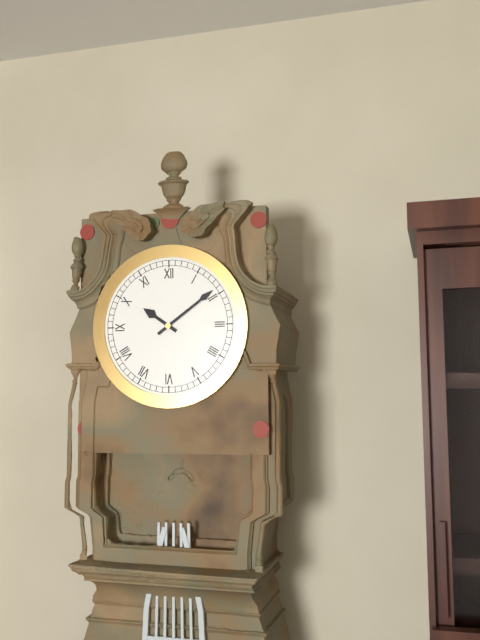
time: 10:09
